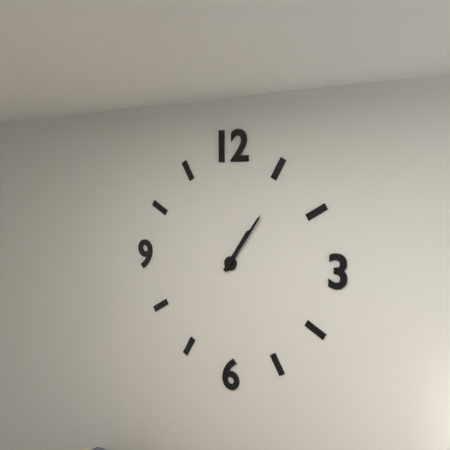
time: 1:06
